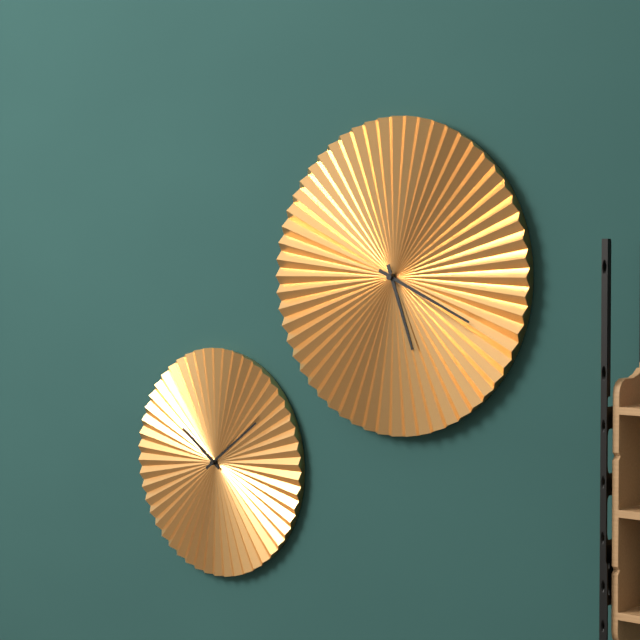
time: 5:19
